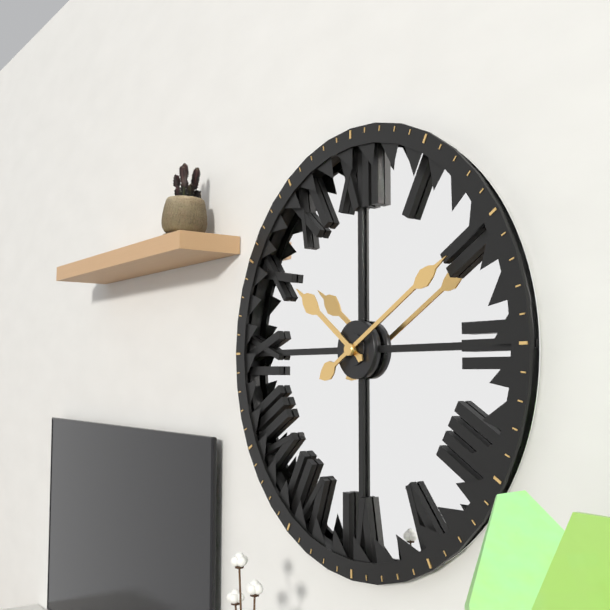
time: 10:10
